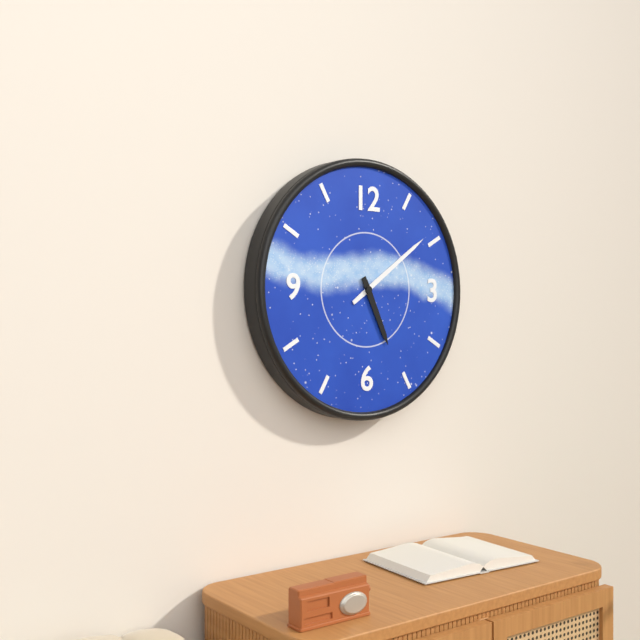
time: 5:09
